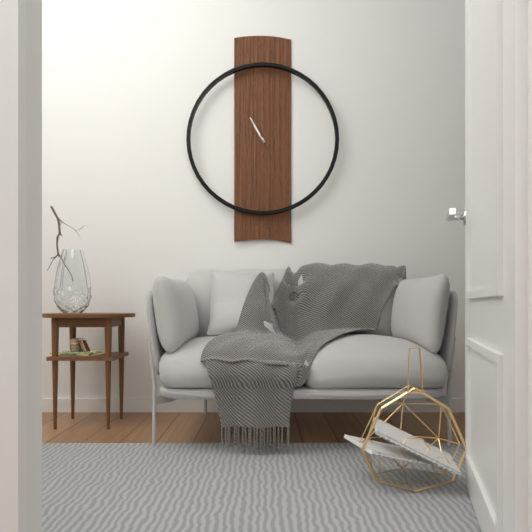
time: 10:55
